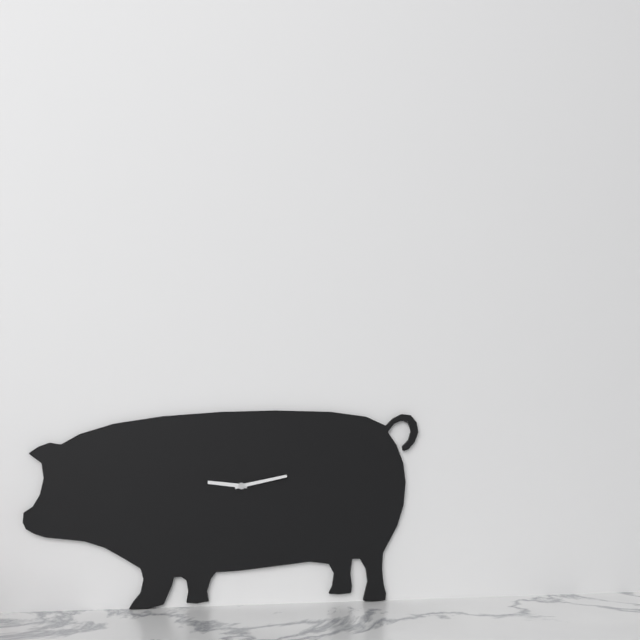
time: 9:13
